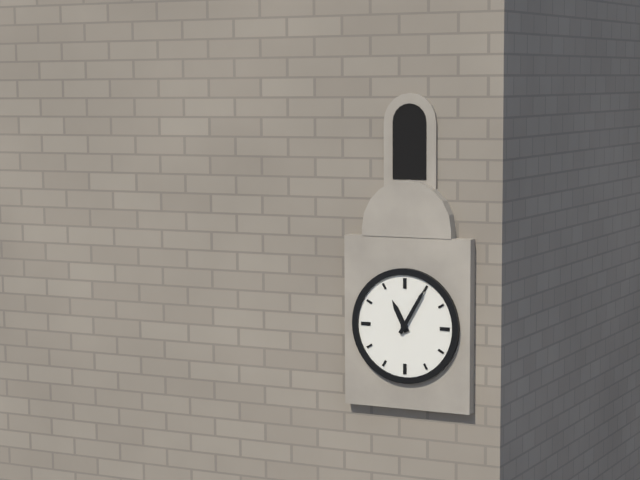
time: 11:05
